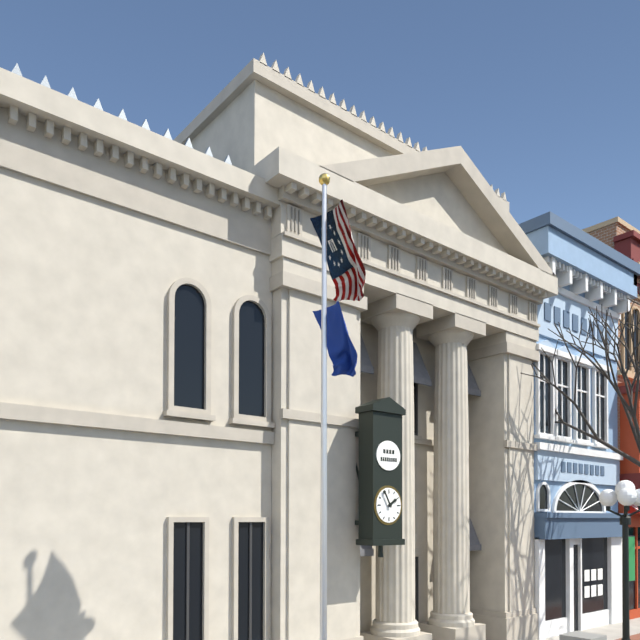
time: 1:55
